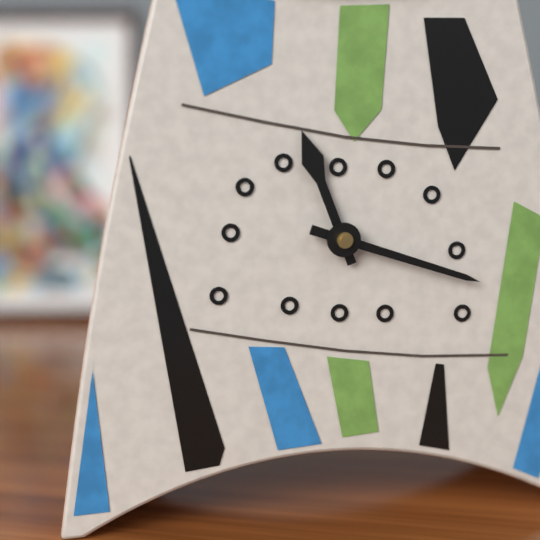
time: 11:18
